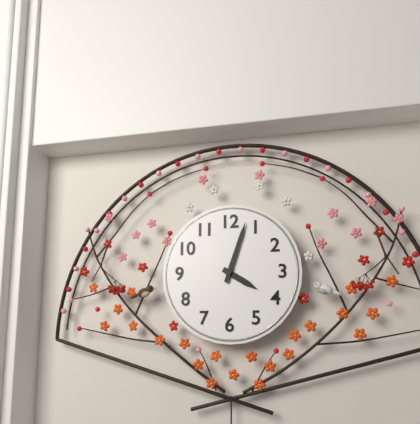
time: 4:03
